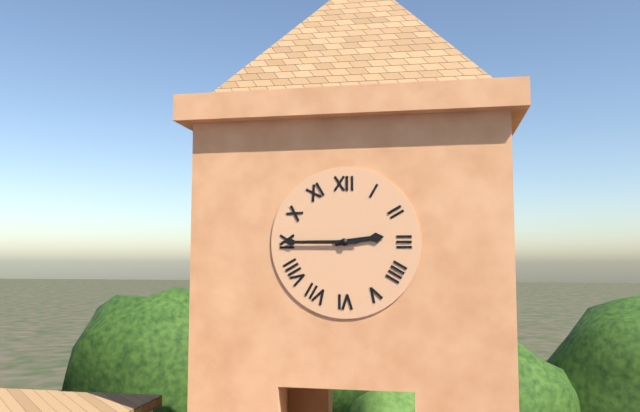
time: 2:45
